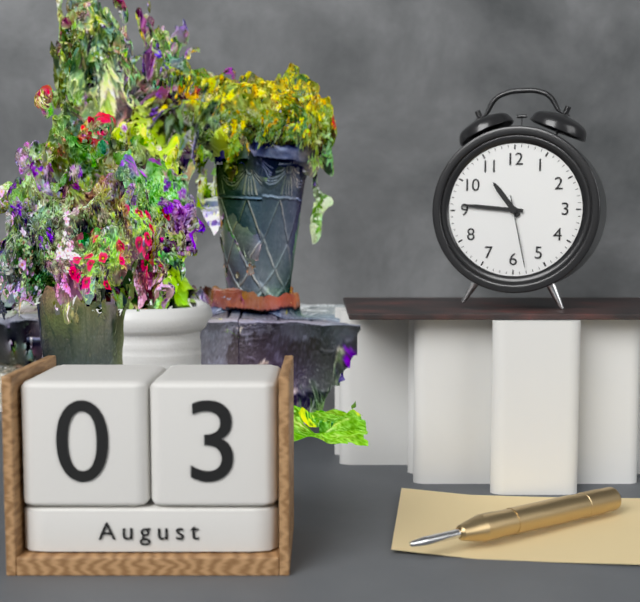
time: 10:46:28
